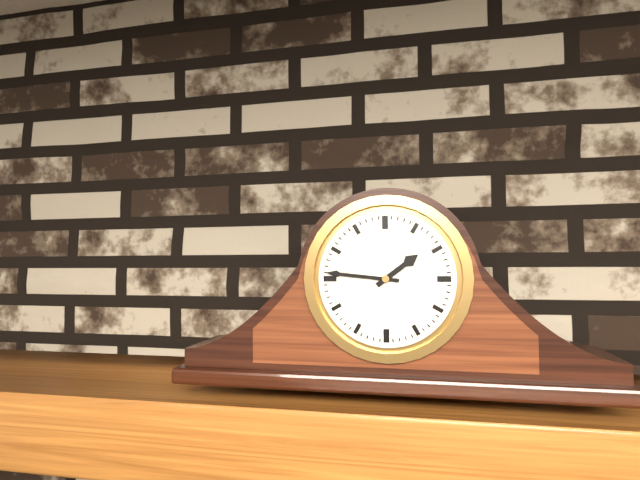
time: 1:46
